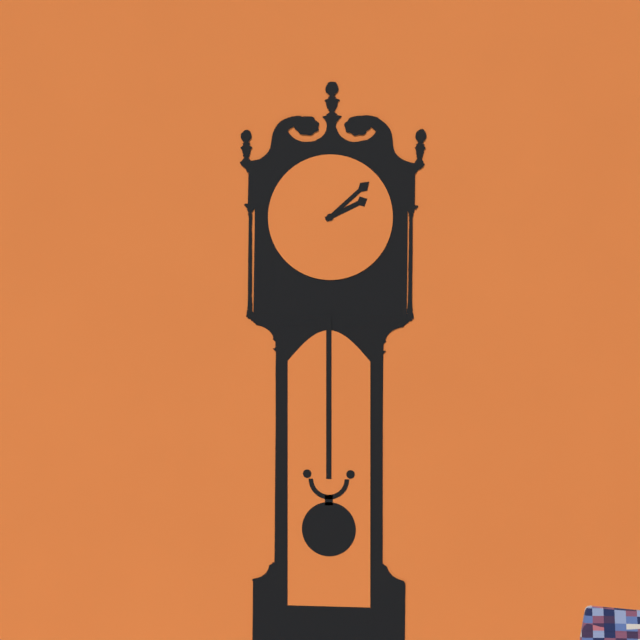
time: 2:08
